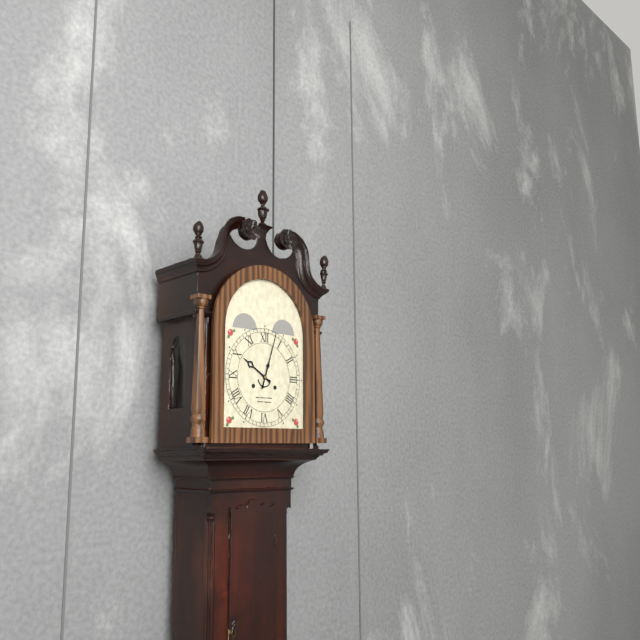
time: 10:03
